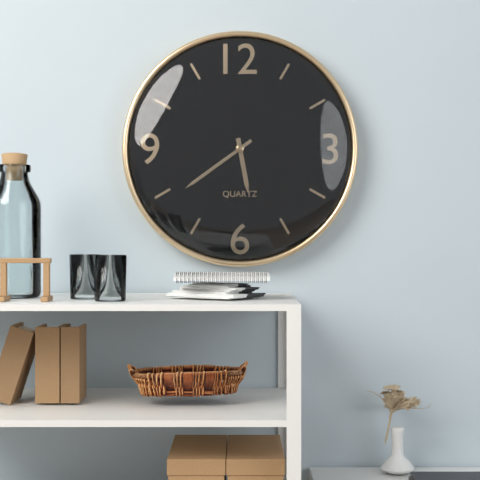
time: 5:39
